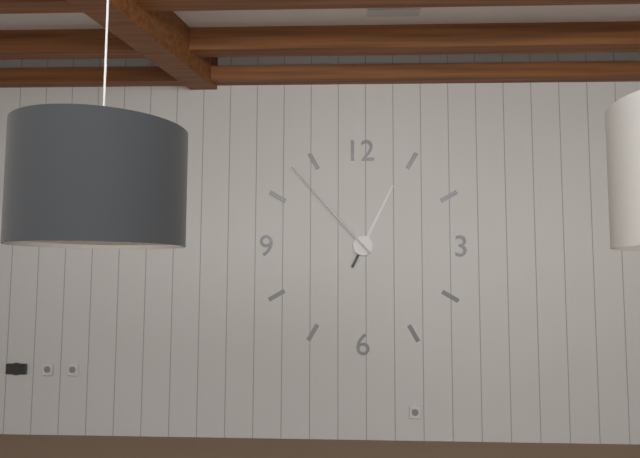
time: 12:53
